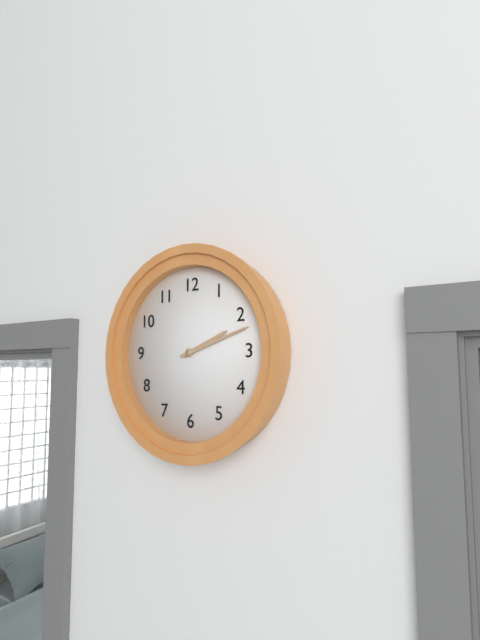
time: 2:12
